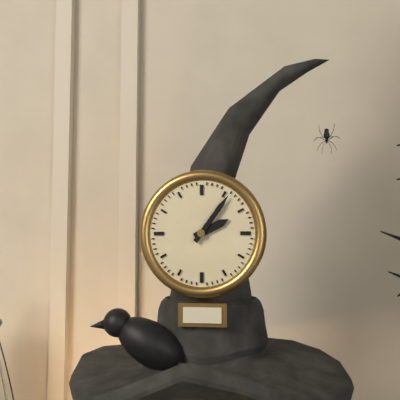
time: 2:06
